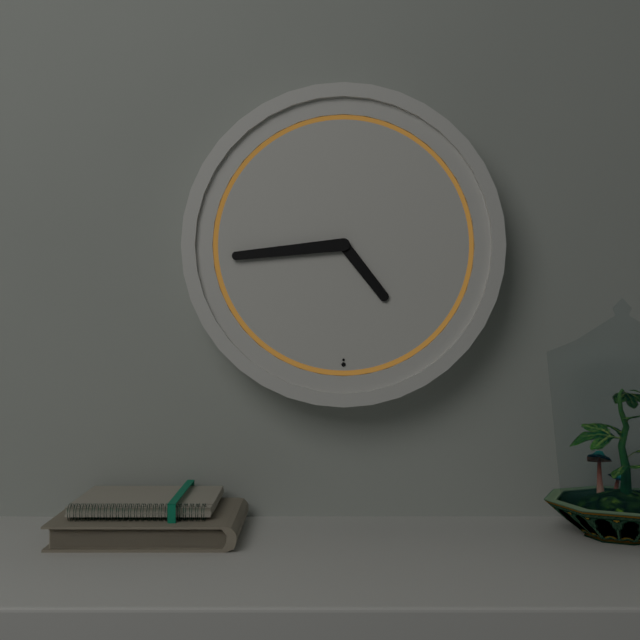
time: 4:44
